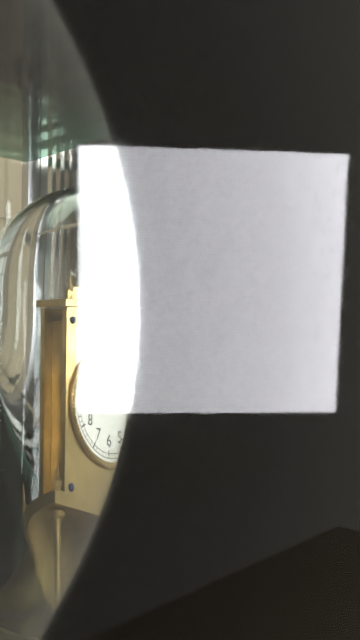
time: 12:45
